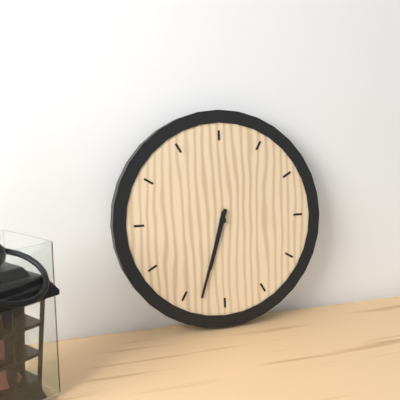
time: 6:33
